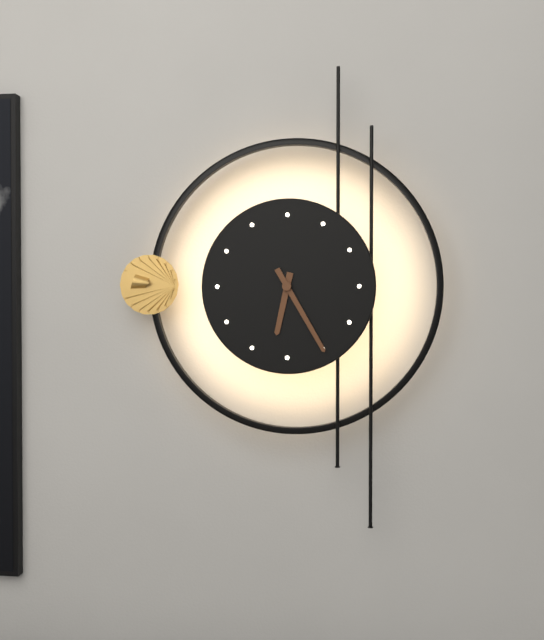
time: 6:25
